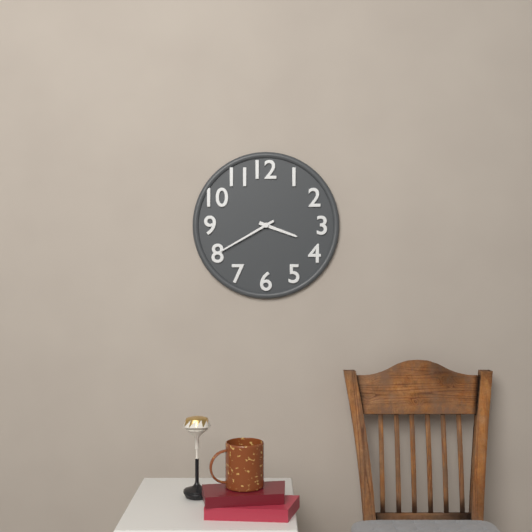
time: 3:40
